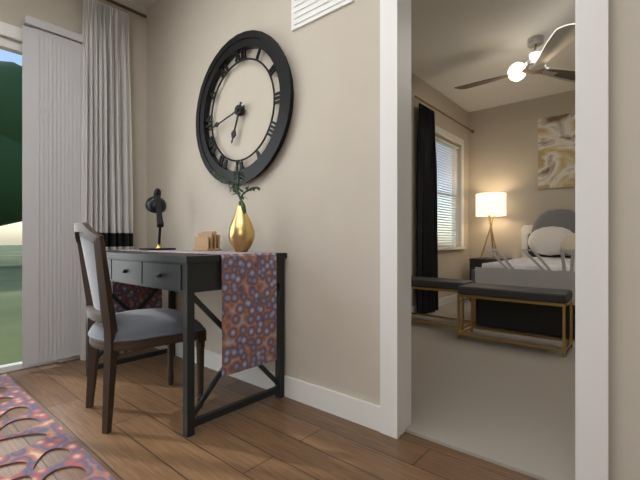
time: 6:43
